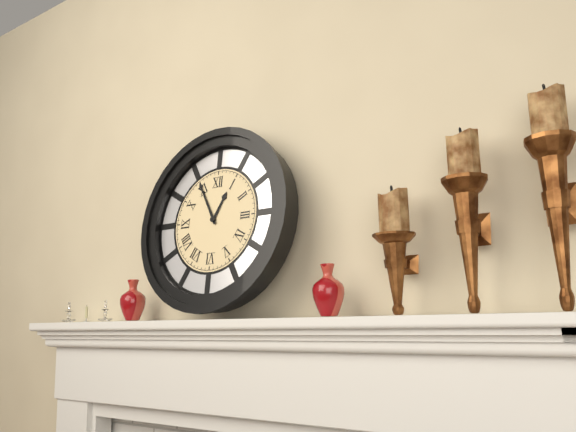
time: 12:55
